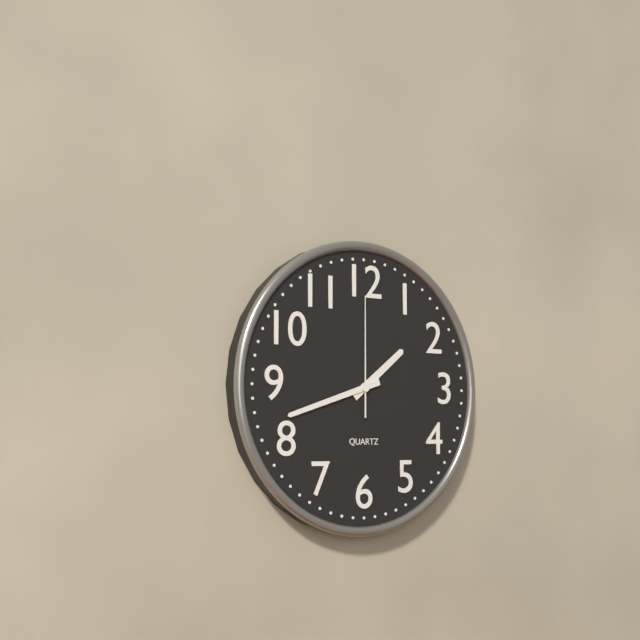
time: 1:42:00
